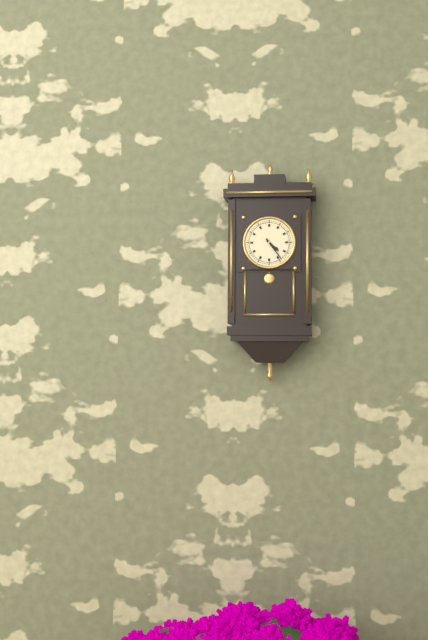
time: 4:24
